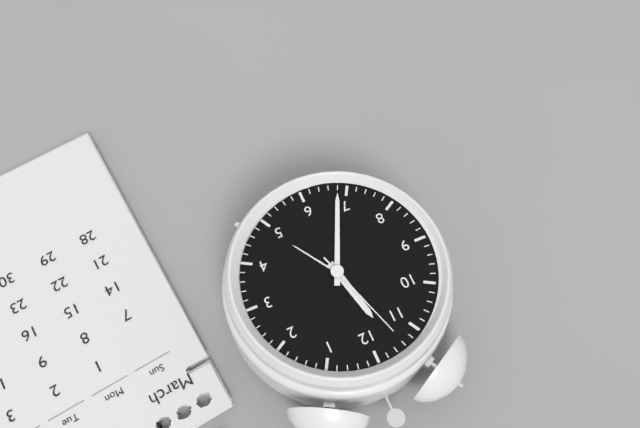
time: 11:34:57
